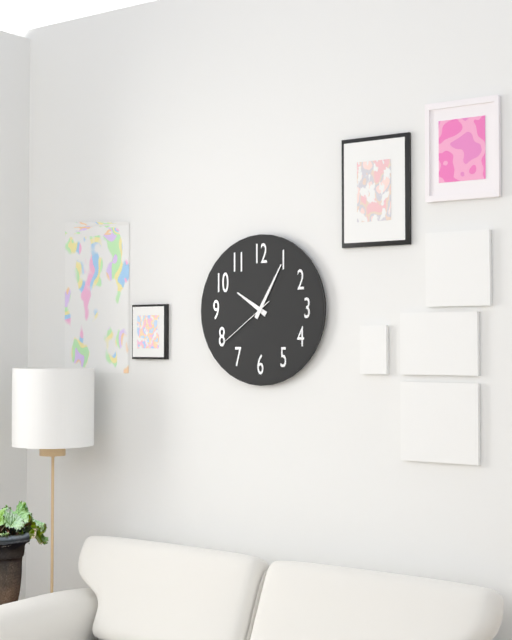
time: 10:05:39
